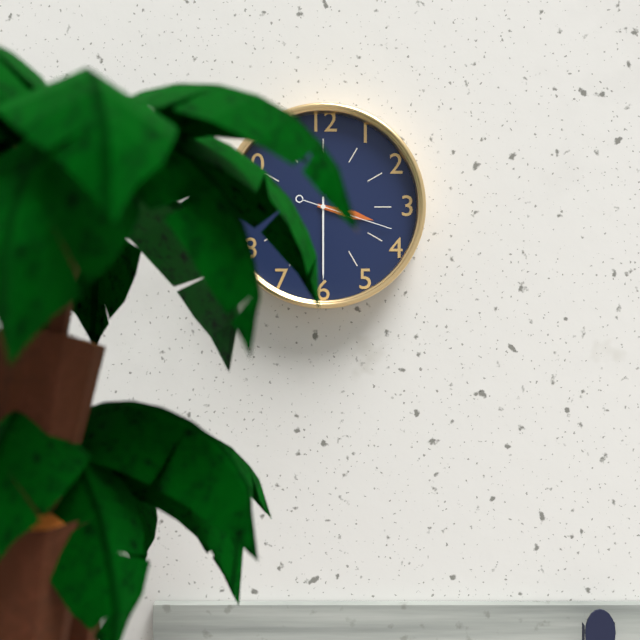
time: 3:30:18
